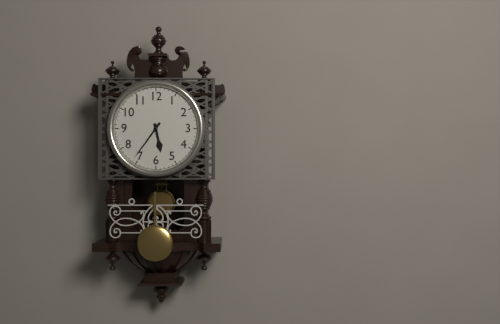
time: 5:36
